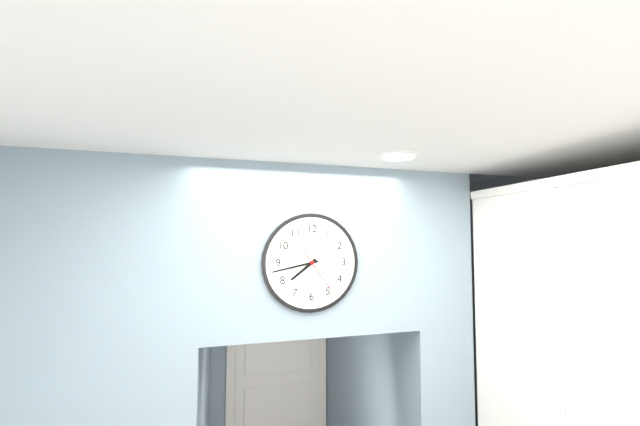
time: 7:43:24
